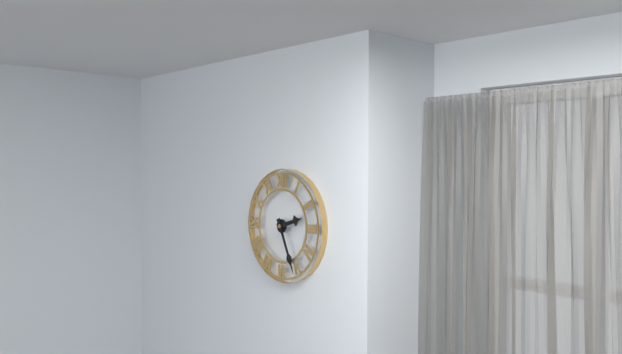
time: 2:26
